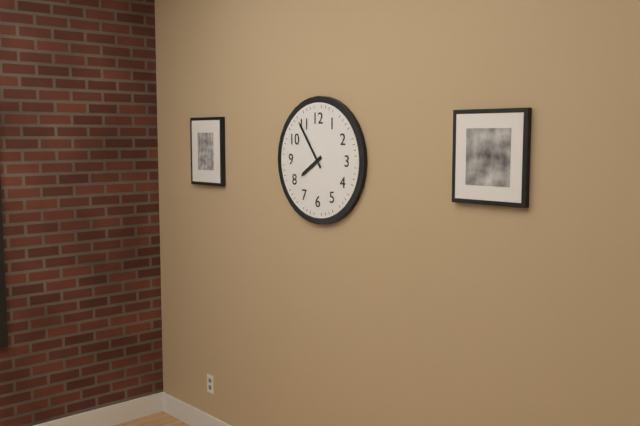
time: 7:54
